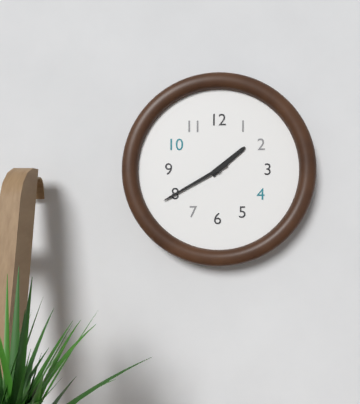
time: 1:40
